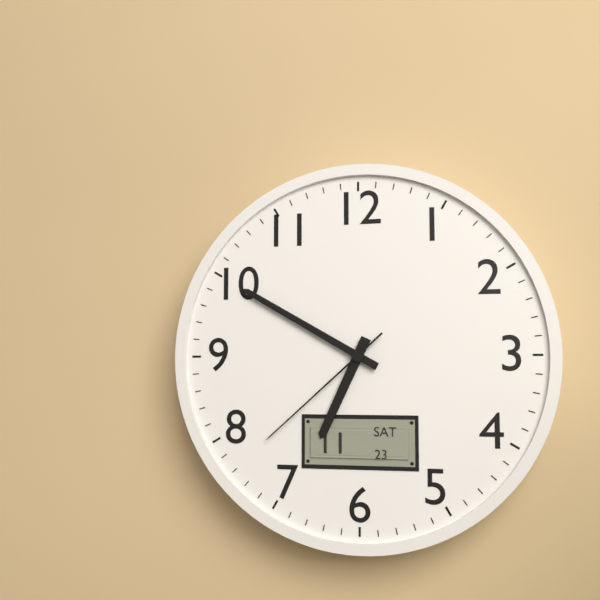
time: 6:50:38
